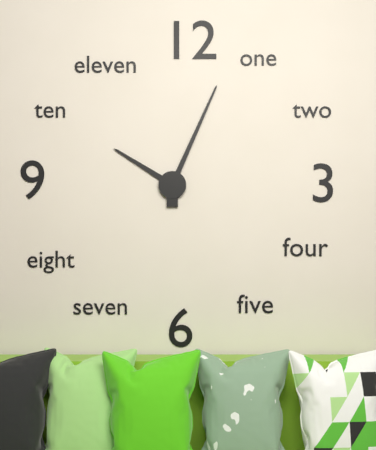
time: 10:04
